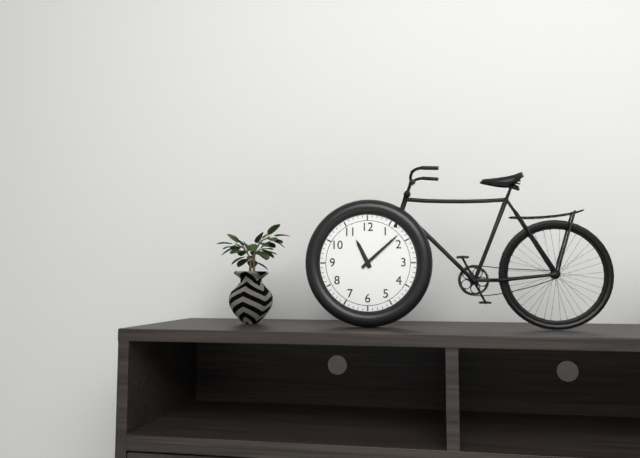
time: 11:08
